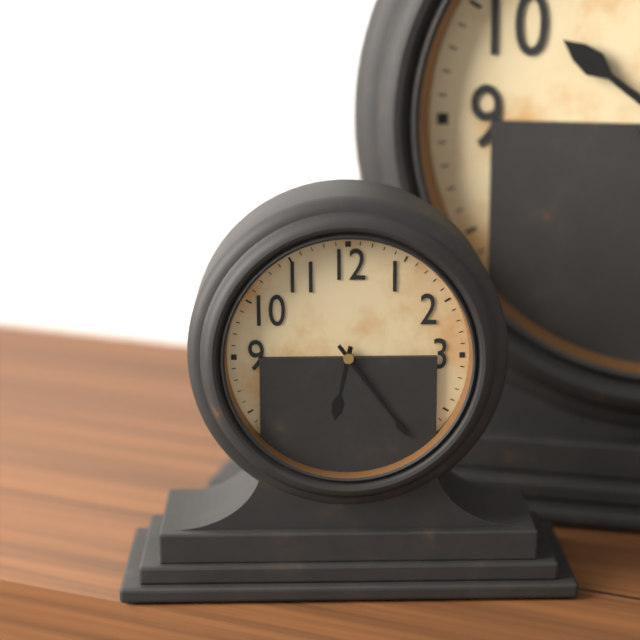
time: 6:24
